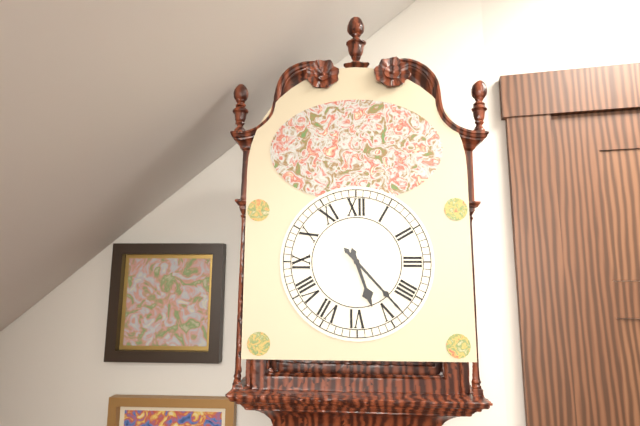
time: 5:23
